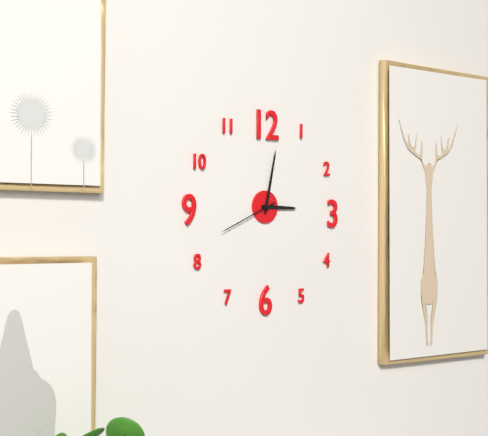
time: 3:02:41
